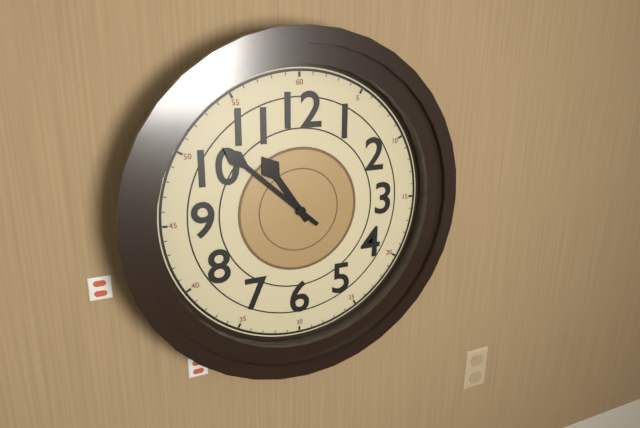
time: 10:52
